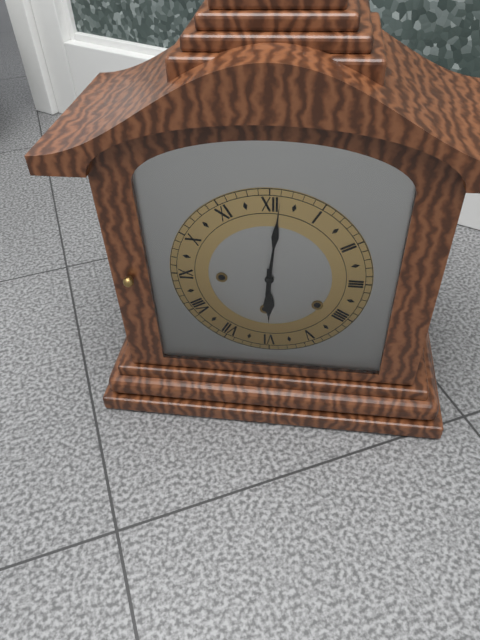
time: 6:01
